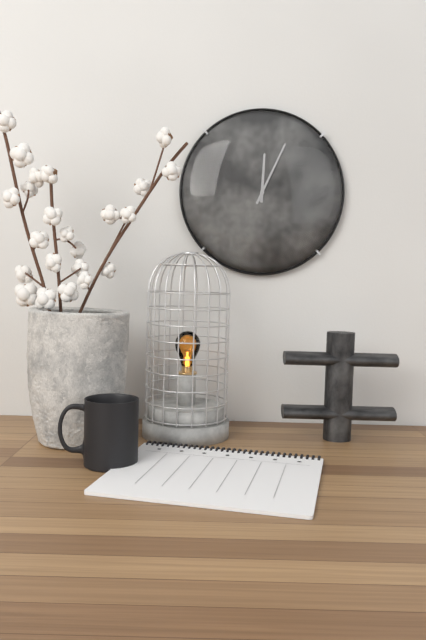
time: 12:04
